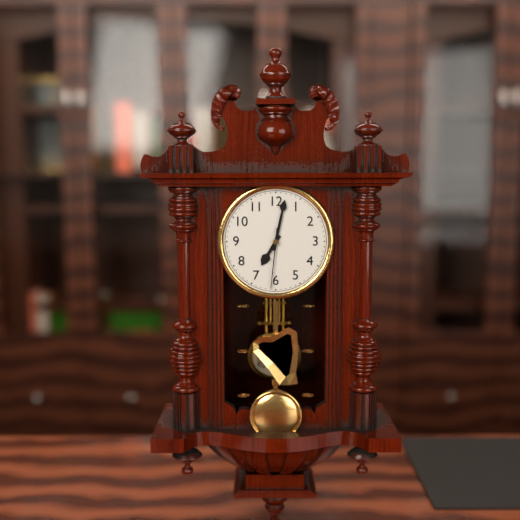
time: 7:02:31
